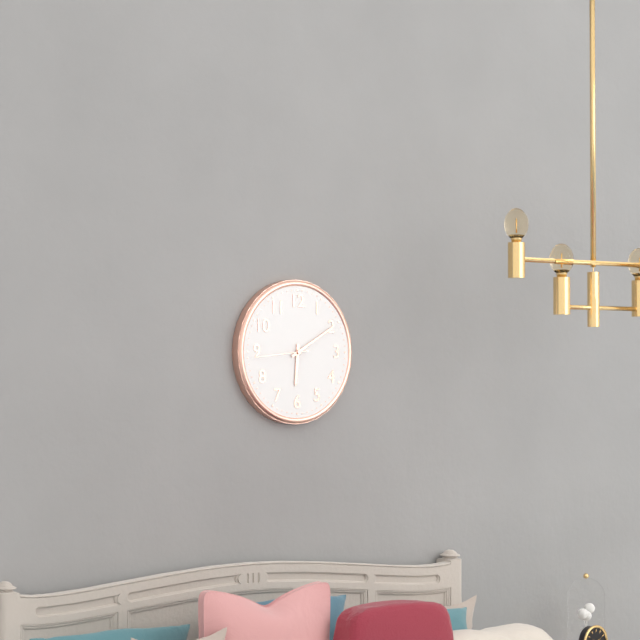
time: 6:10:44
